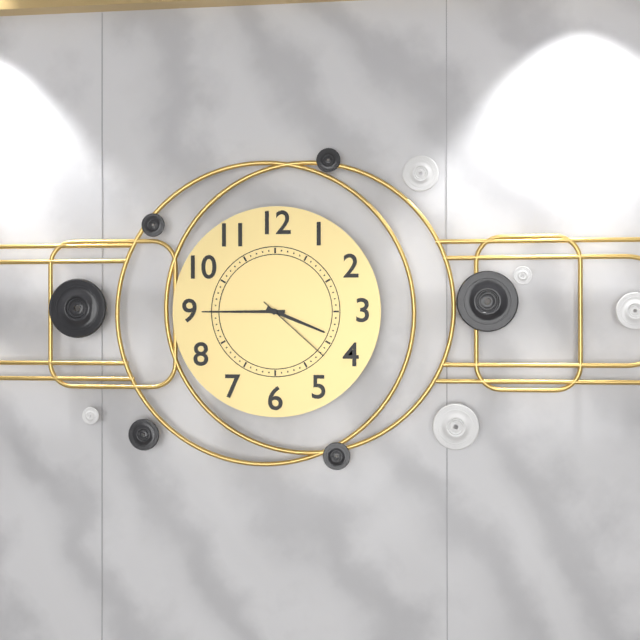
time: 3:45:22
